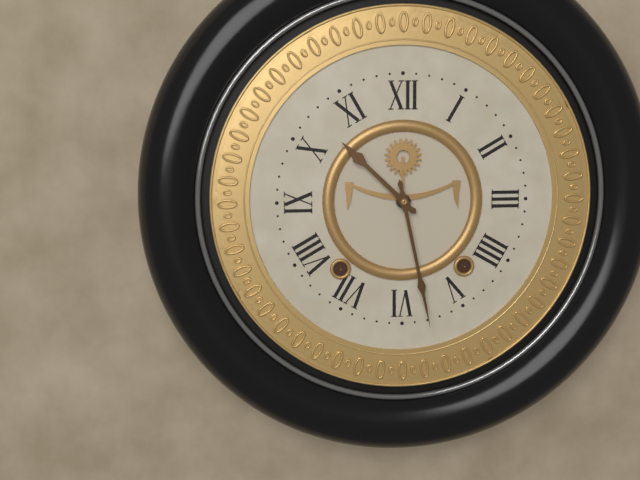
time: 10:28
